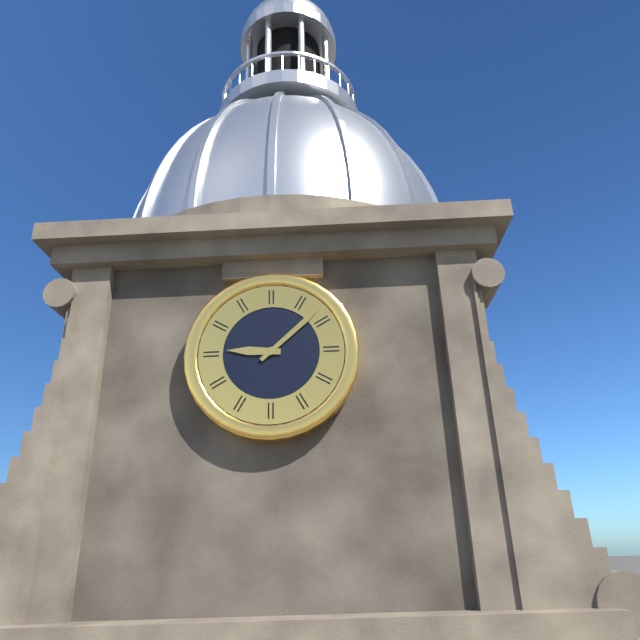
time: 9:08
